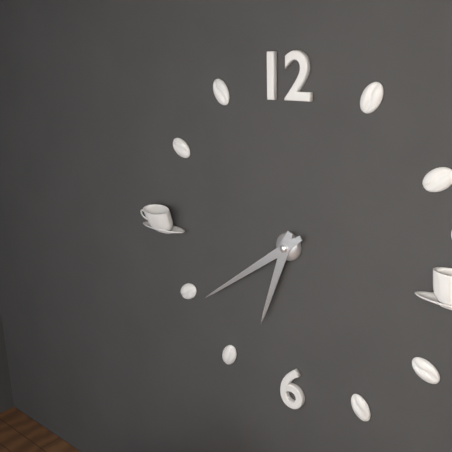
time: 6:39
